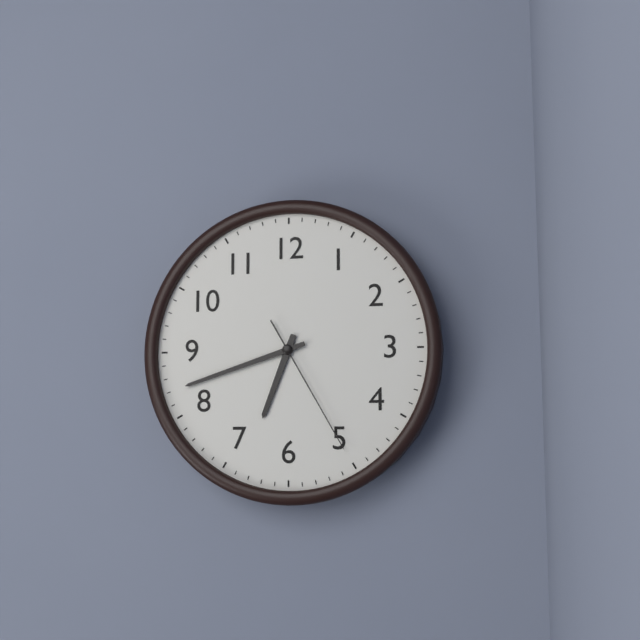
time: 6:42:25
